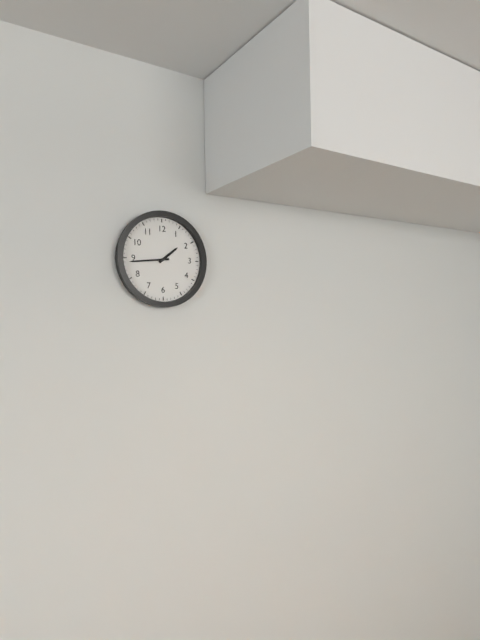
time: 1:44
